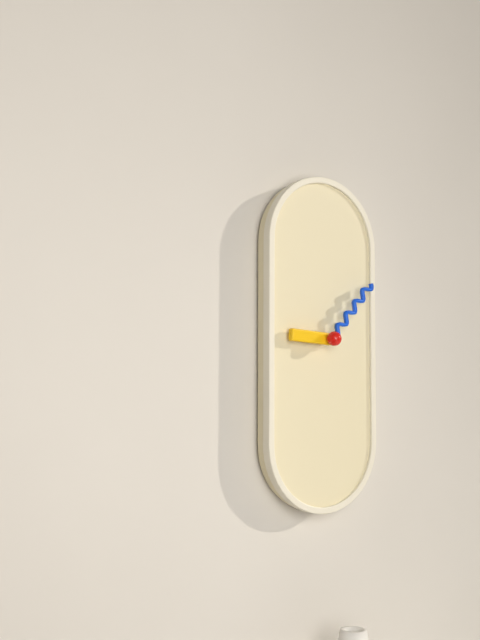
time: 9:07
